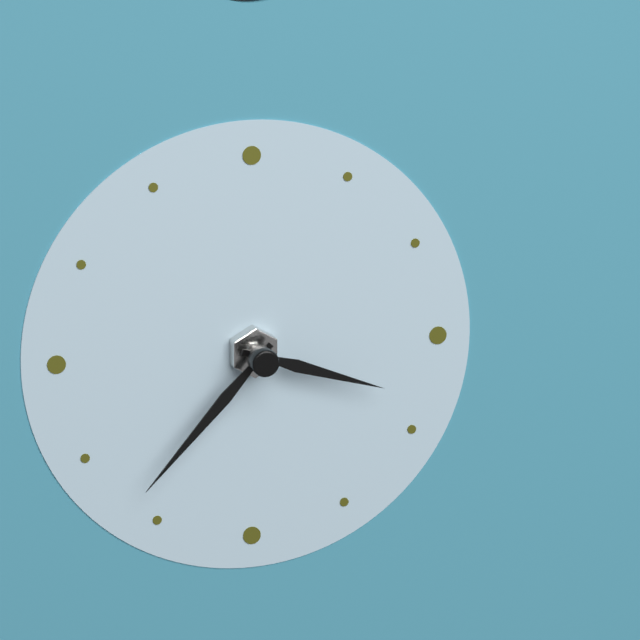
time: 3:37
